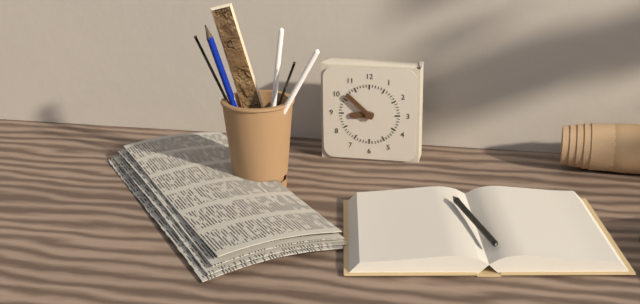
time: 8:52
